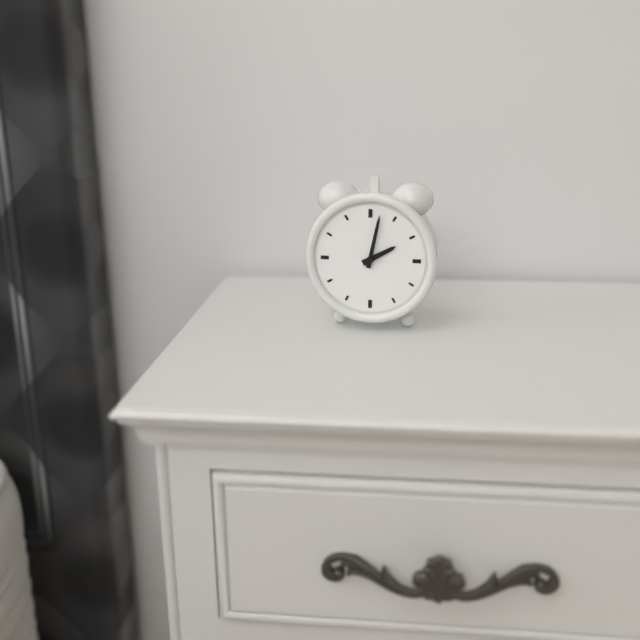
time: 2:02
